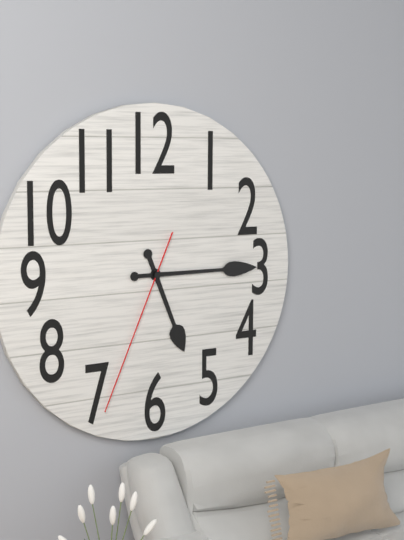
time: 5:15:34
